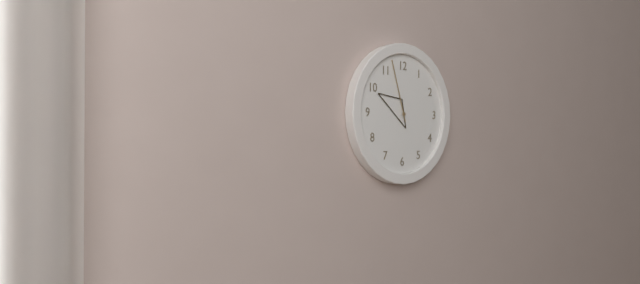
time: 9:57
